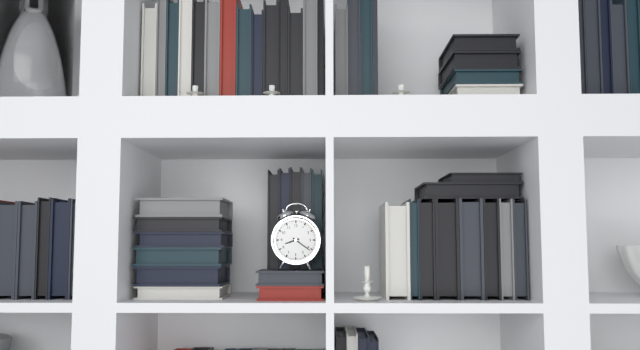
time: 8:21
